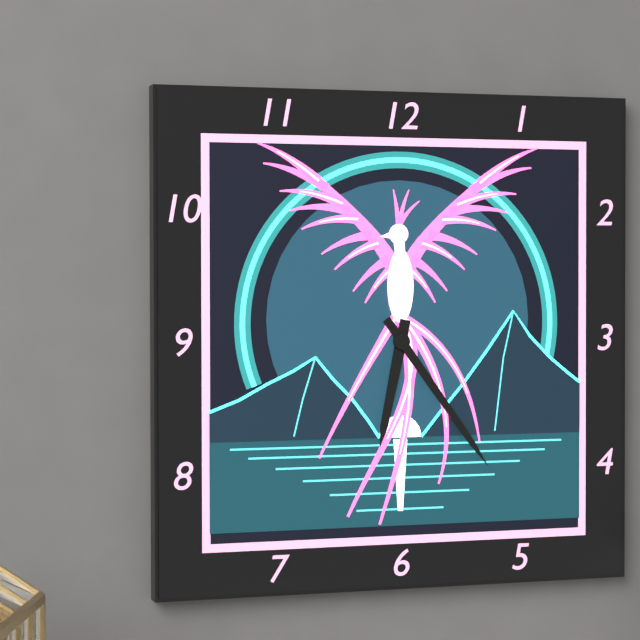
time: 6:24
